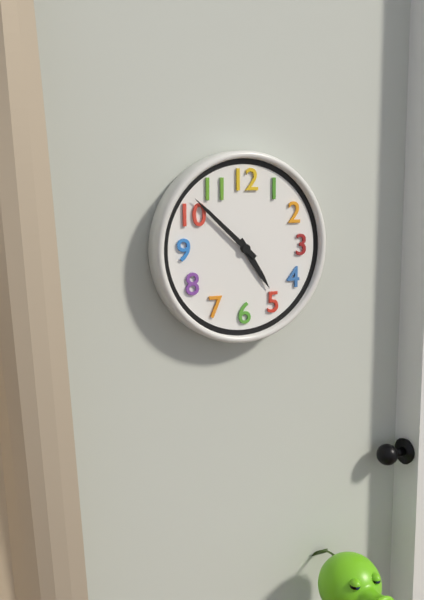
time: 4:52
